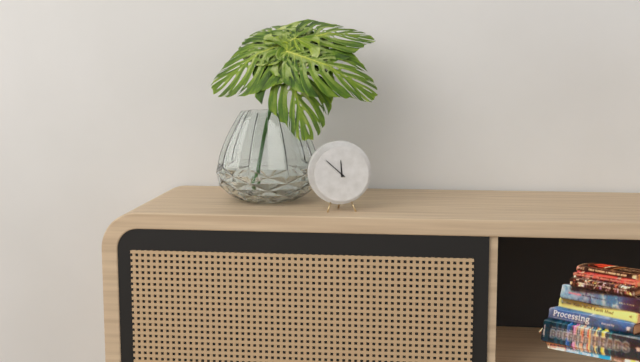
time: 11:52
